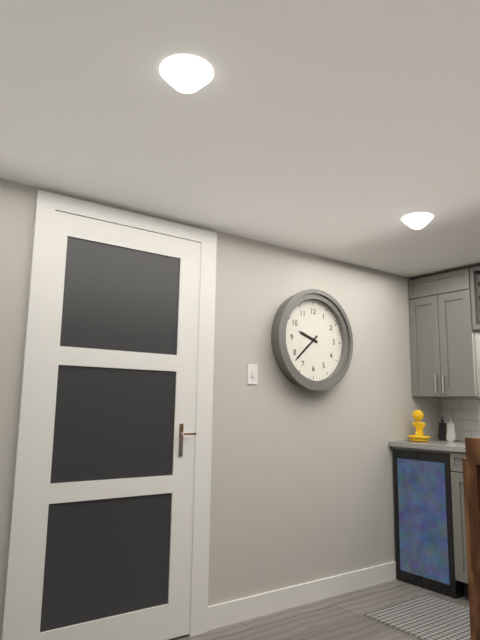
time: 9:38
